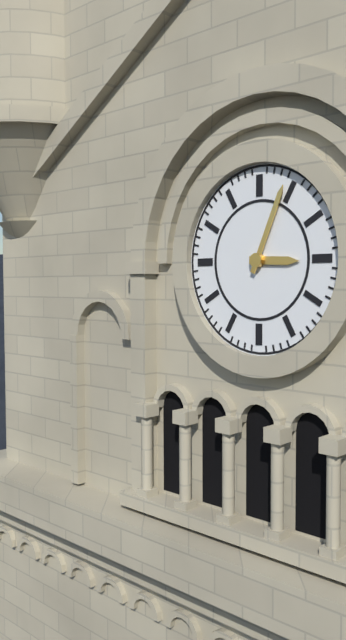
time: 3:04
